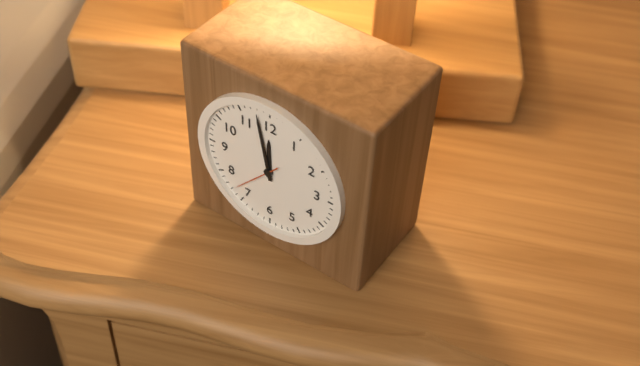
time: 11:58
